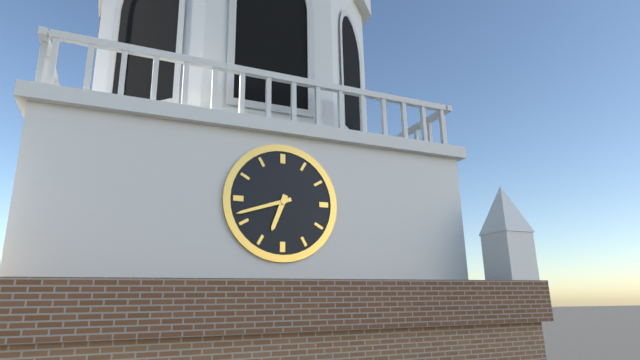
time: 6:42
